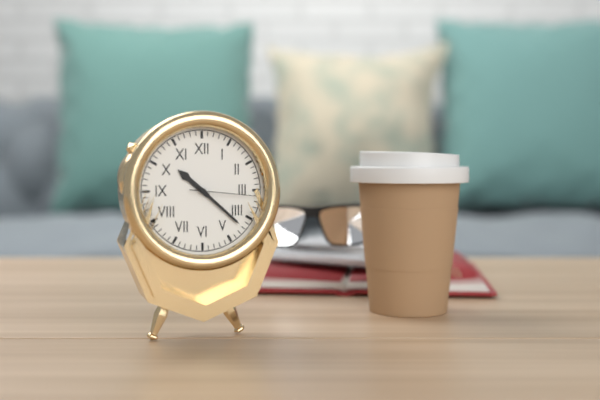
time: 10:22:16
